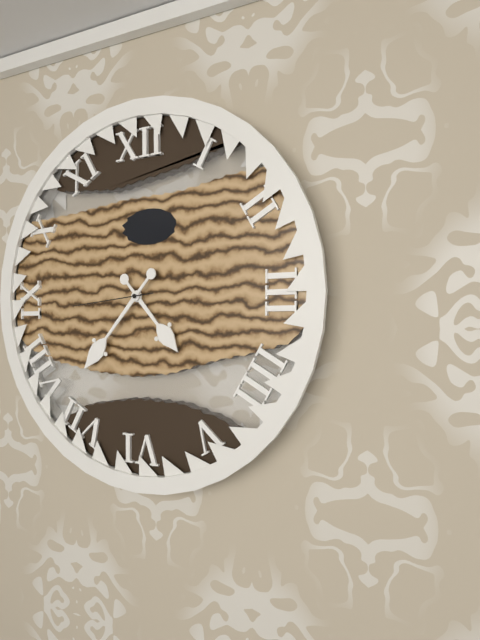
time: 4:37:44
